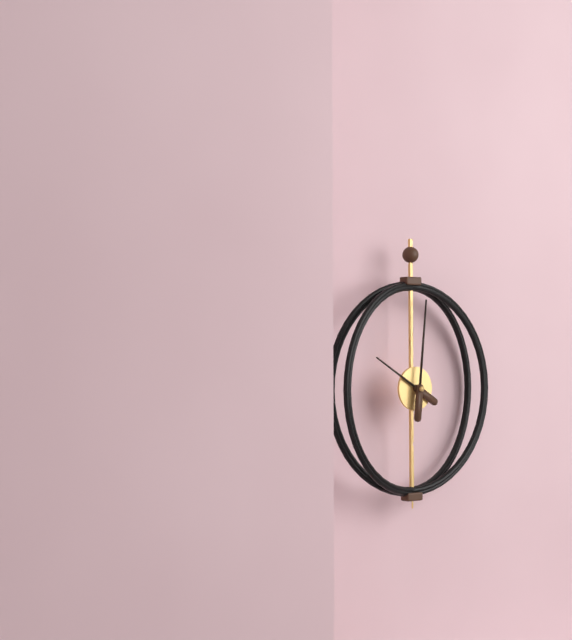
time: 10:01
